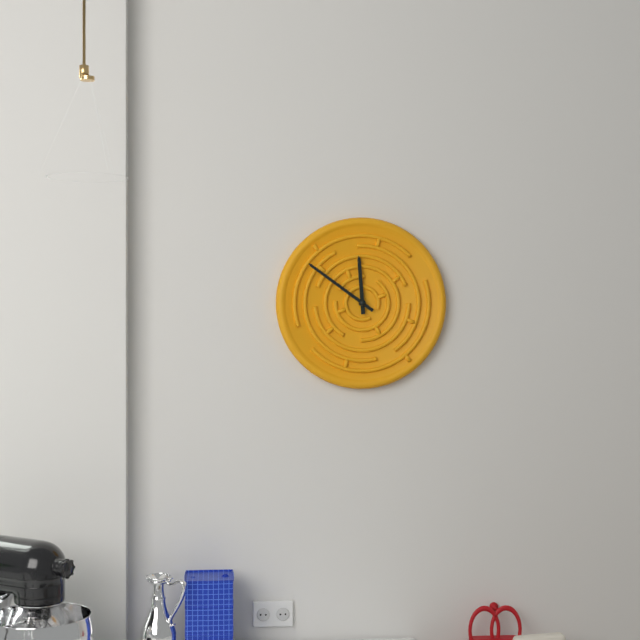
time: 11:51
